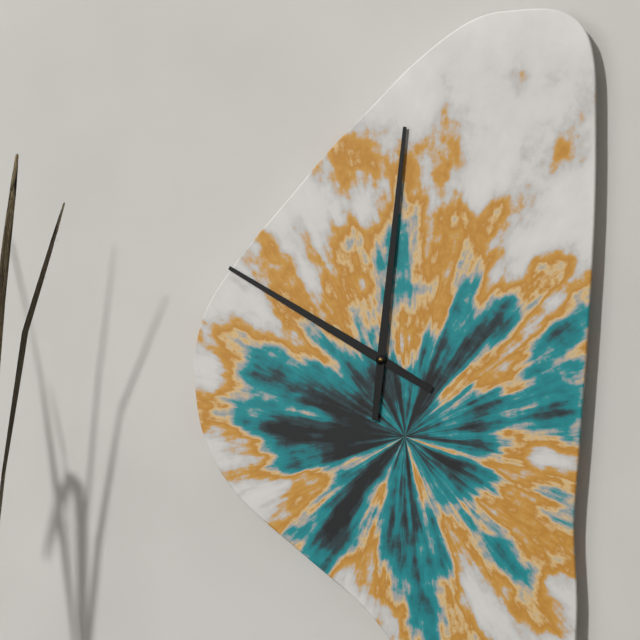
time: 10:01
